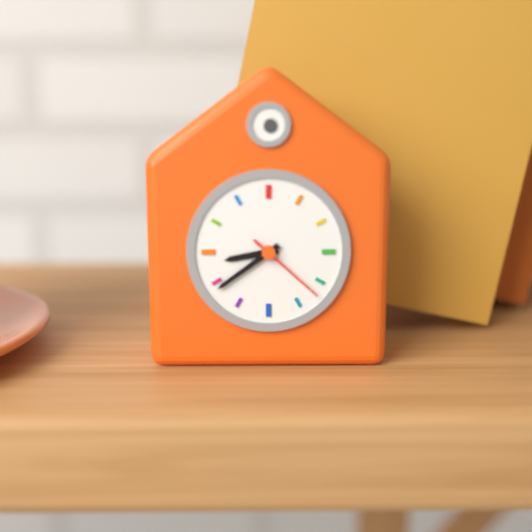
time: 8:39:22
